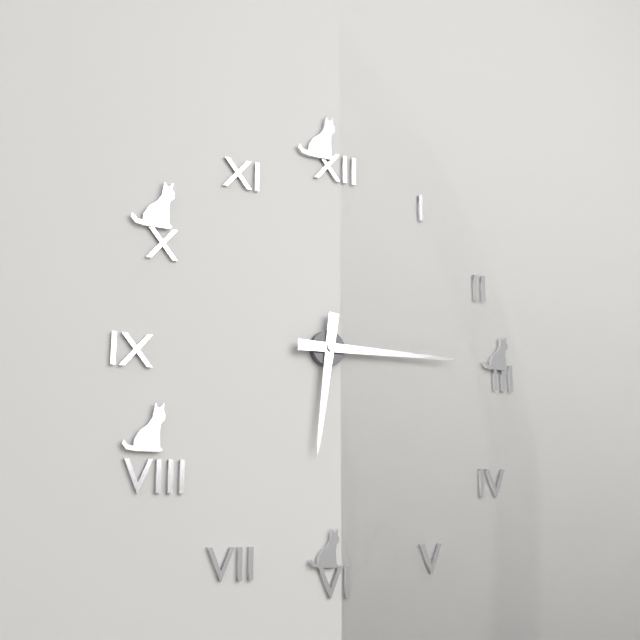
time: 6:15
